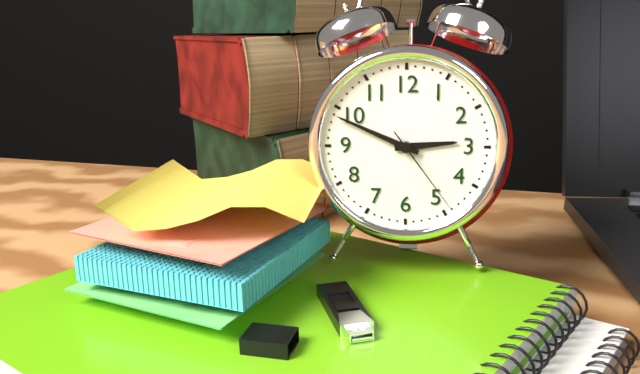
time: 2:49:24
